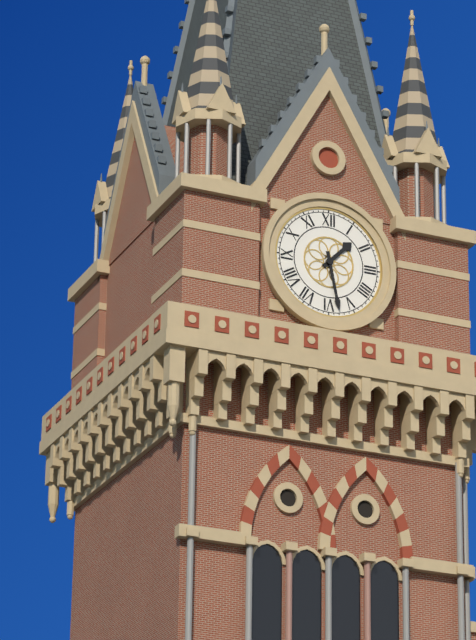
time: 1:28
